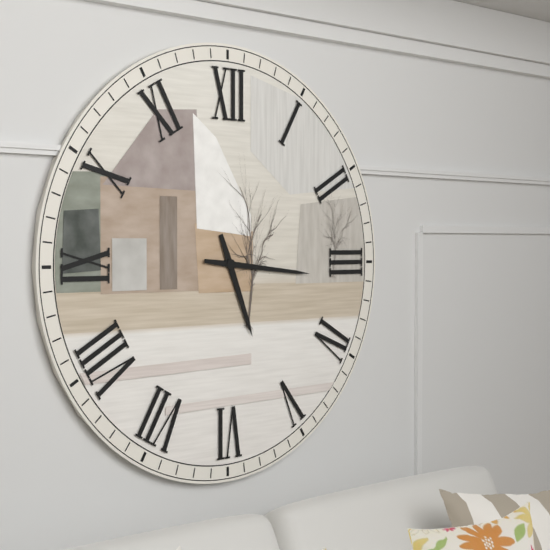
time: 5:16
